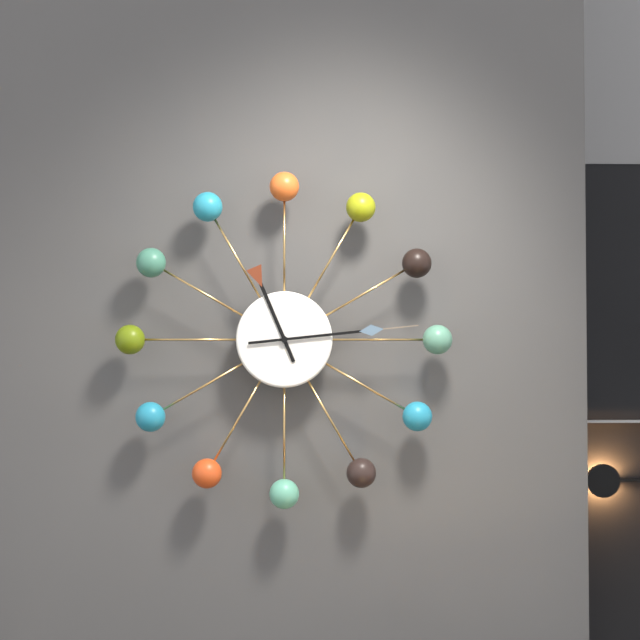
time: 11:14
